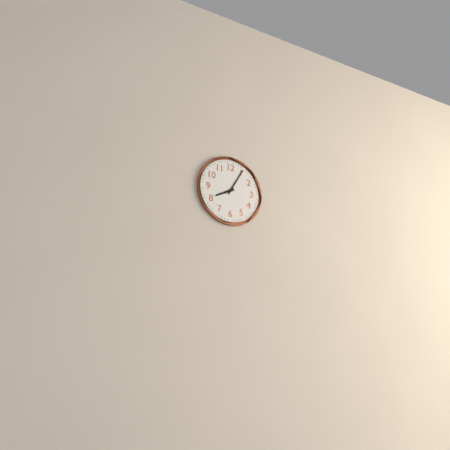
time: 8:05
